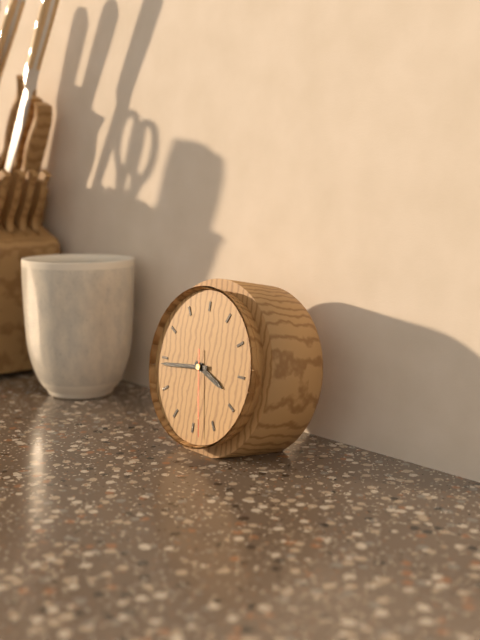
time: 3:44:28
